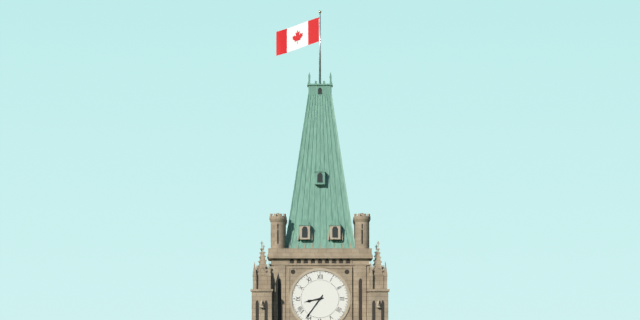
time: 8:36
